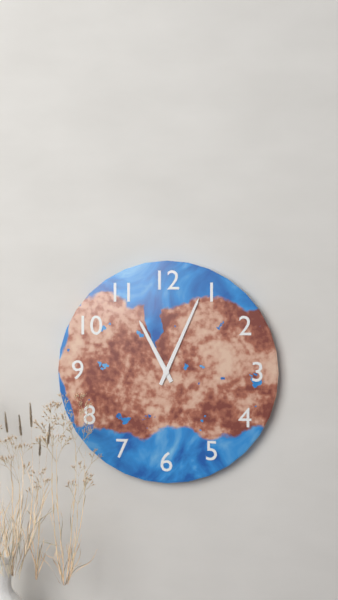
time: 11:04
